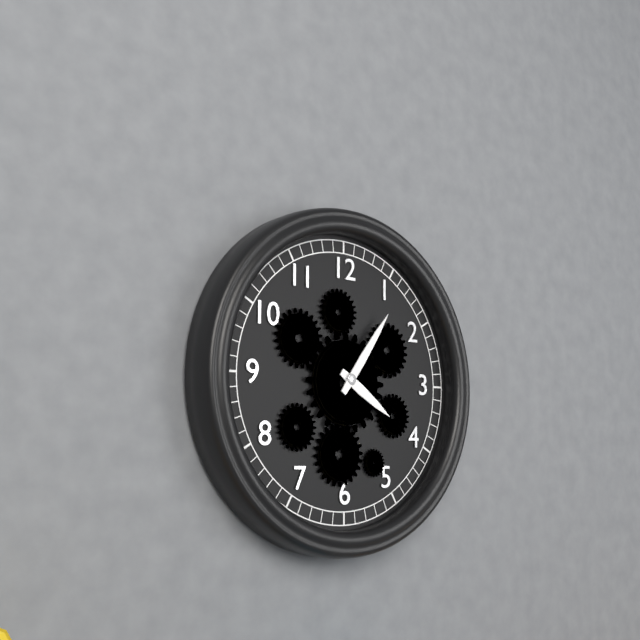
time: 4:06
